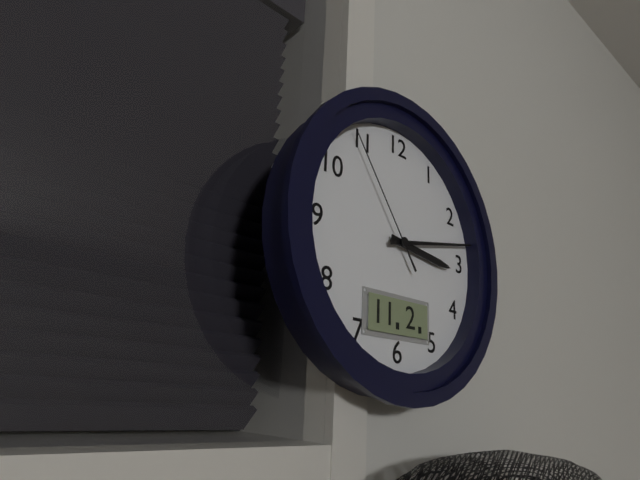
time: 3:13:54
